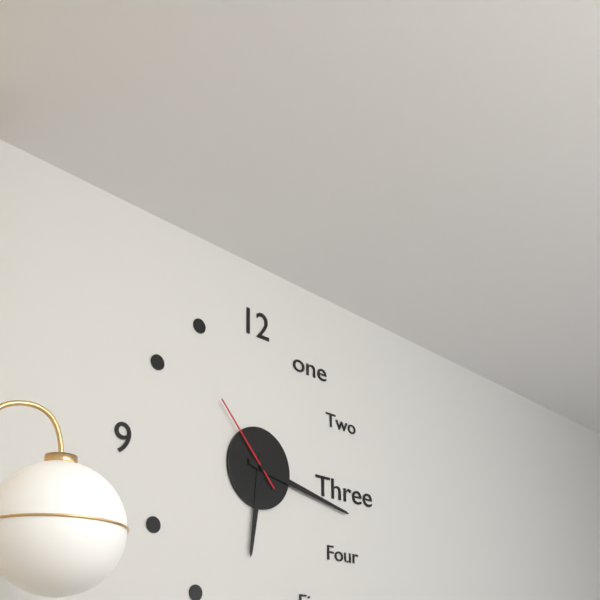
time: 6:17:53
